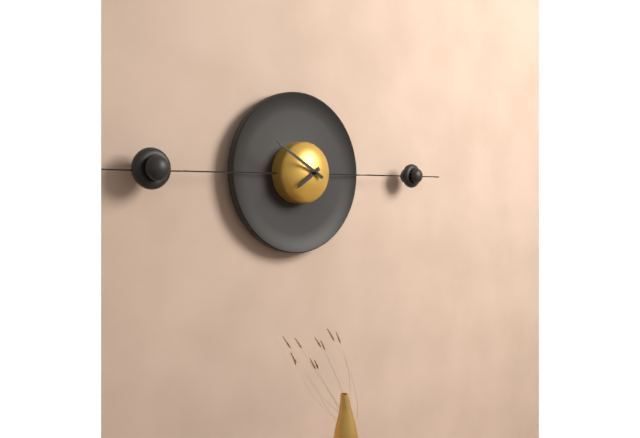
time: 7:50
